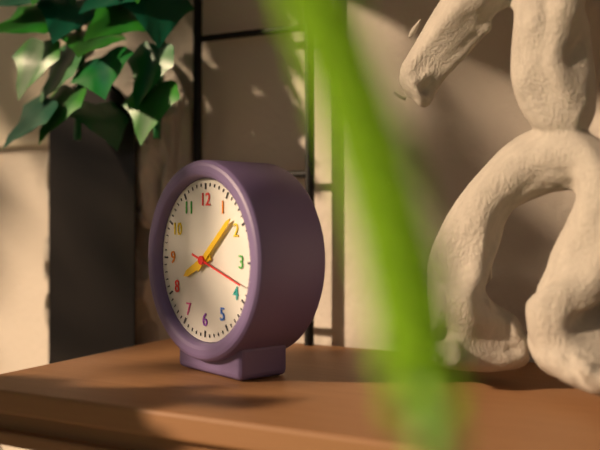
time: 8:08
